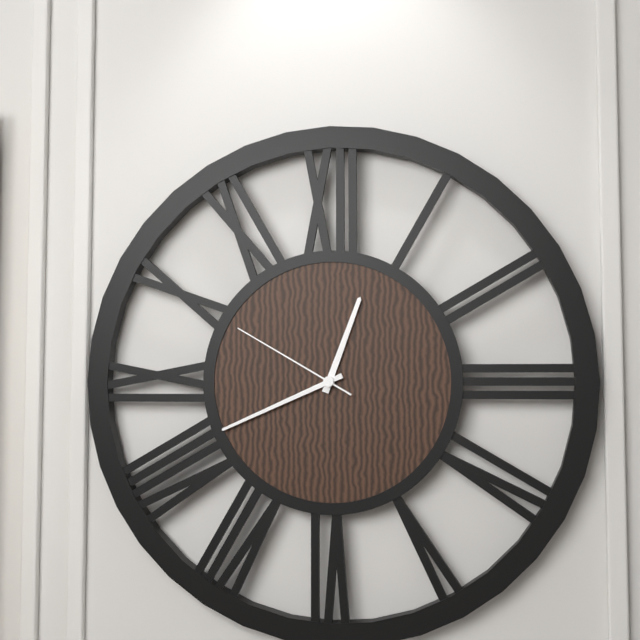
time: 12:41:50
